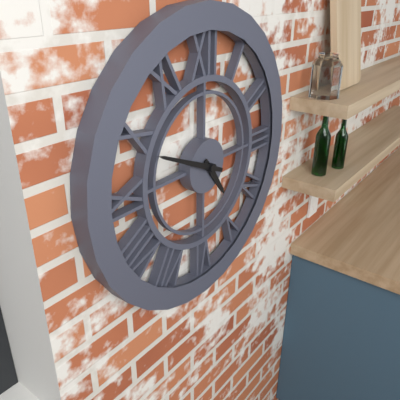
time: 4:49
